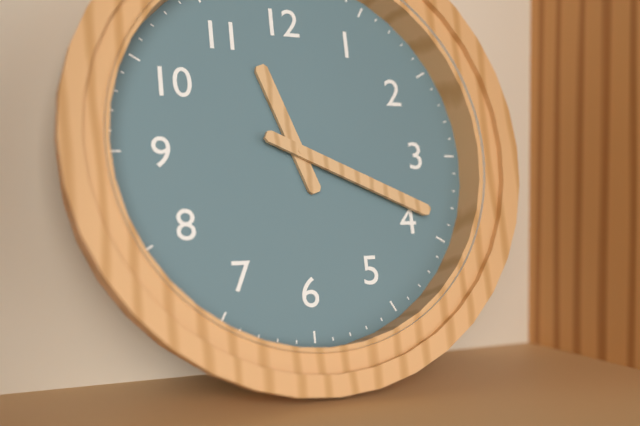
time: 11:19
